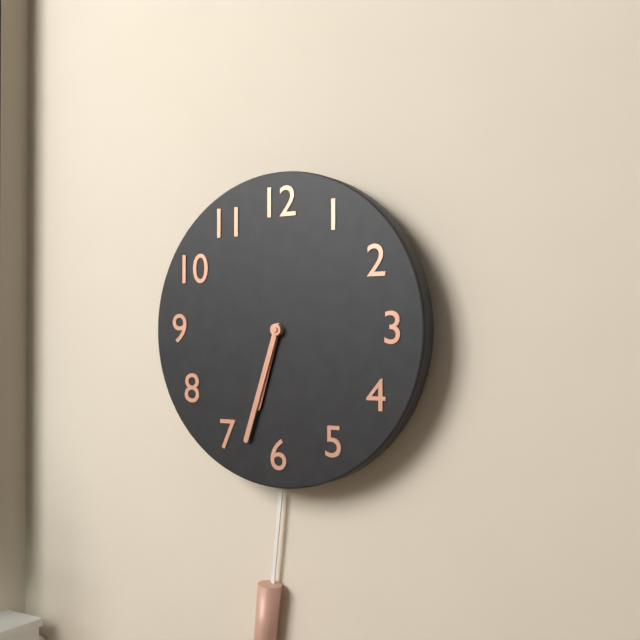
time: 6:33
